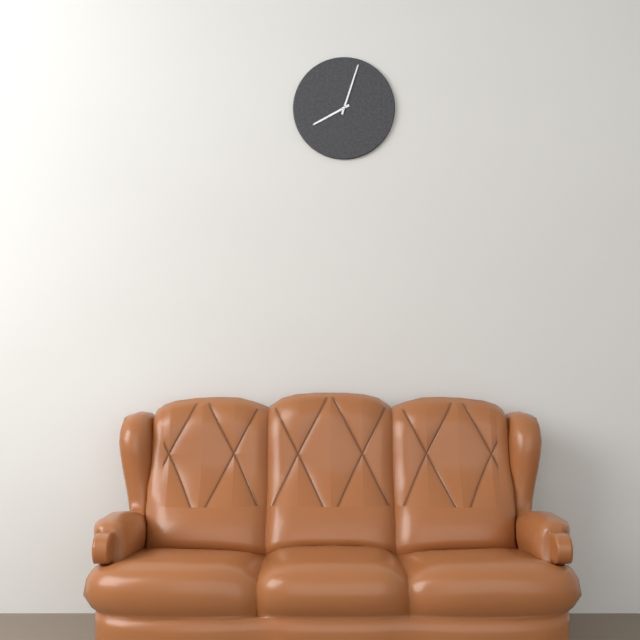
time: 8:03
